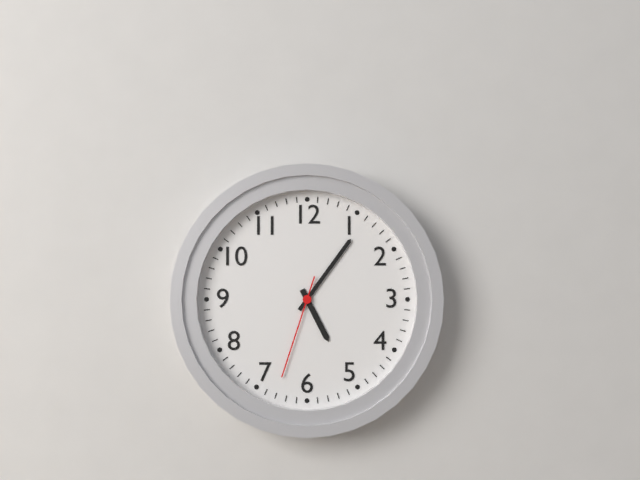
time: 5:06:33
